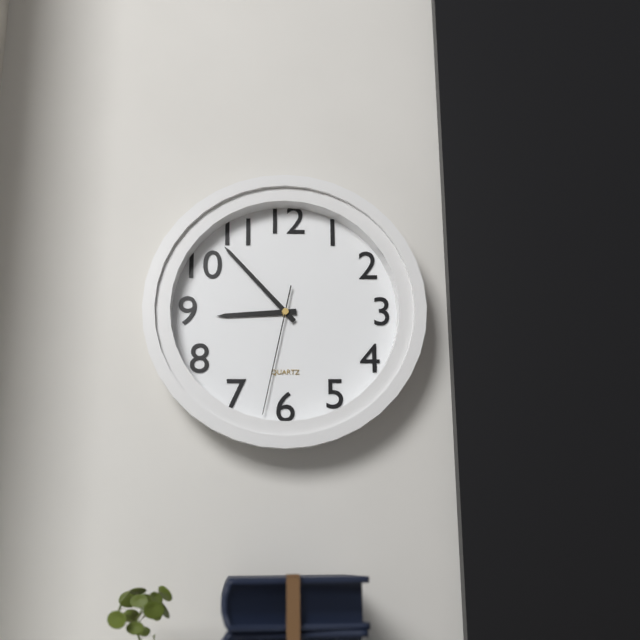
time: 8:53:32
